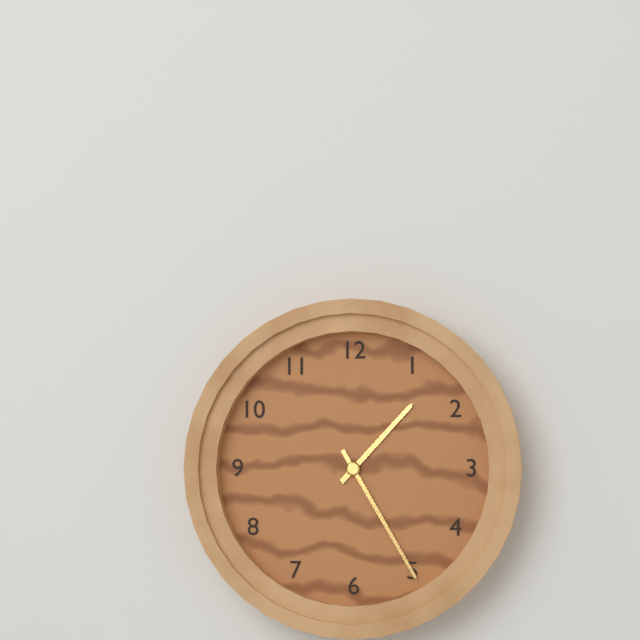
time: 1:25
